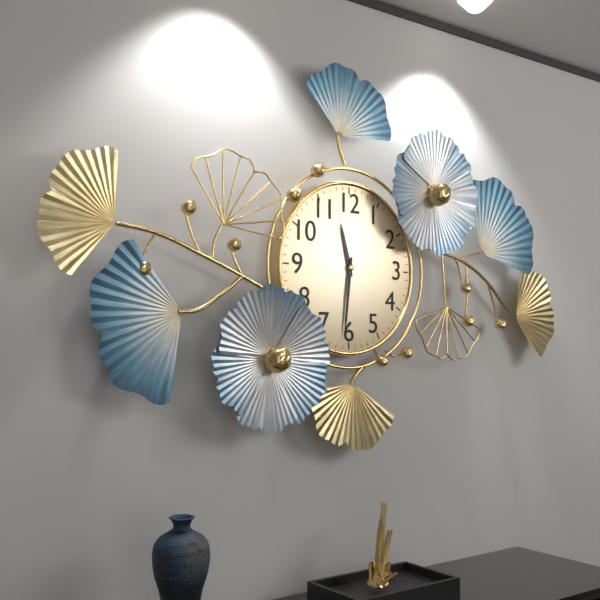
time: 11:31
